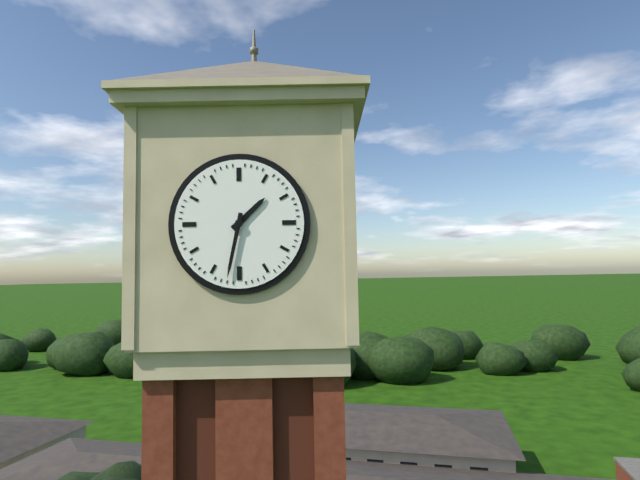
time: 1:32
